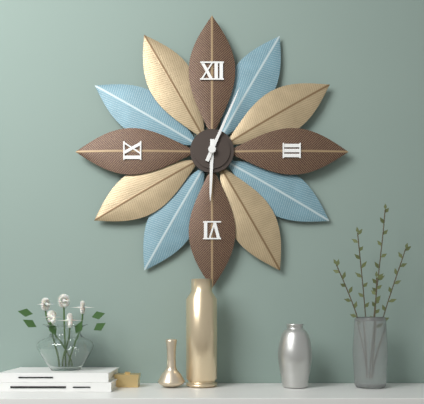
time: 6:04
